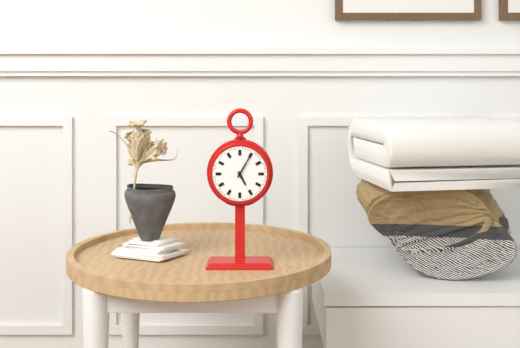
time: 5:05
